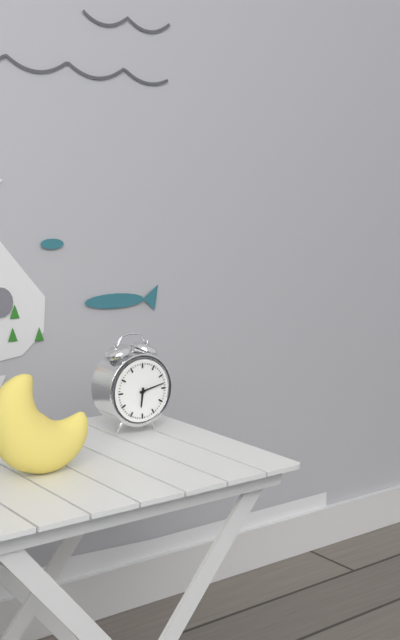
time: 6:13
